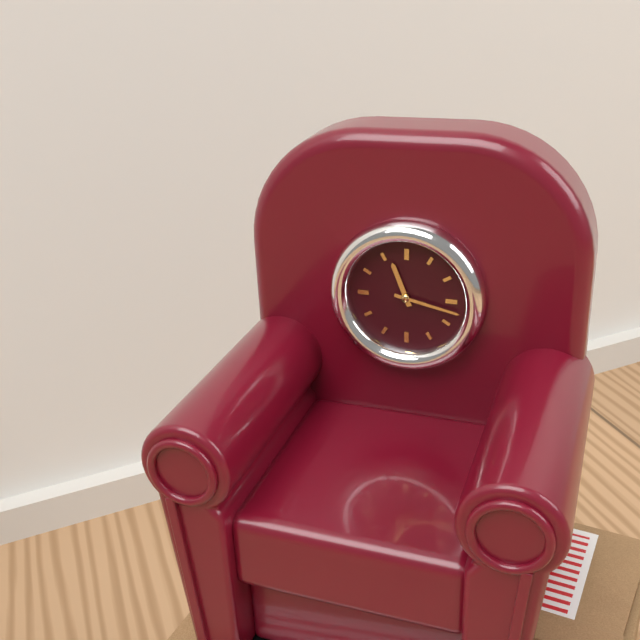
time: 11:17
